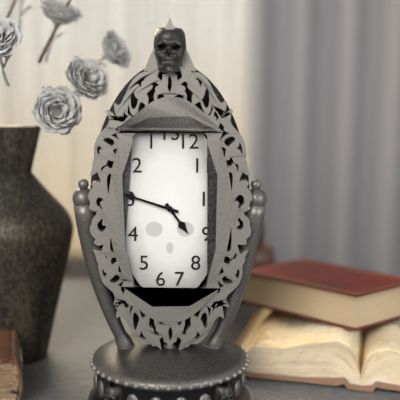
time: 4:48
